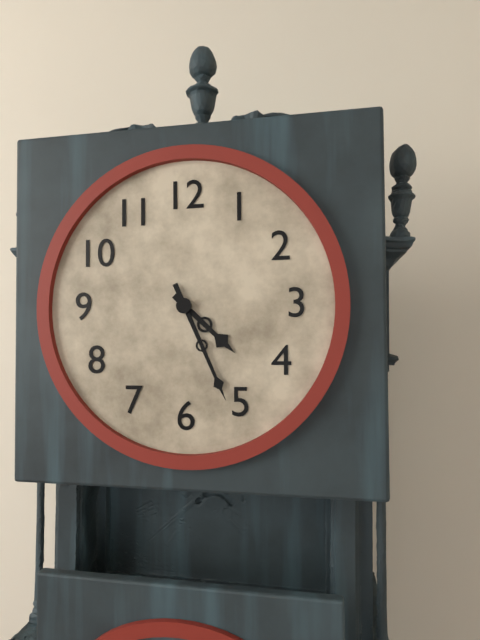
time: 4:26
